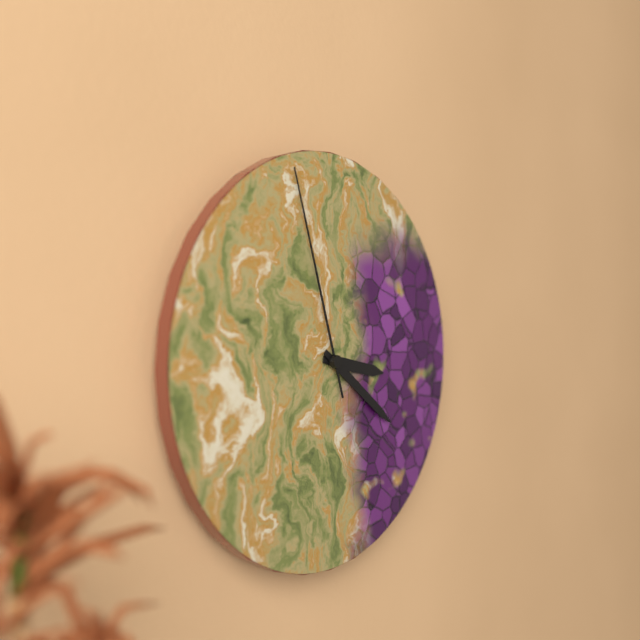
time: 3:21:57
